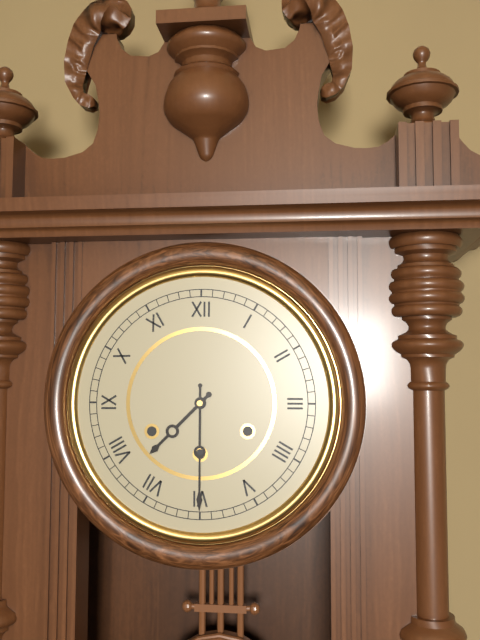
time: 7:30
